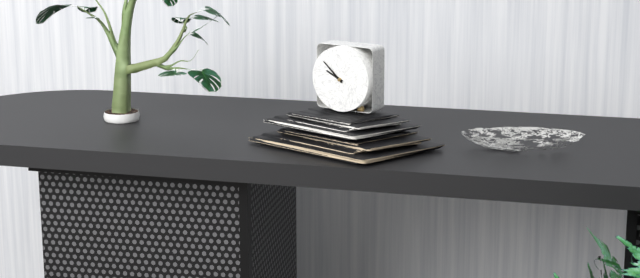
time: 9:52
